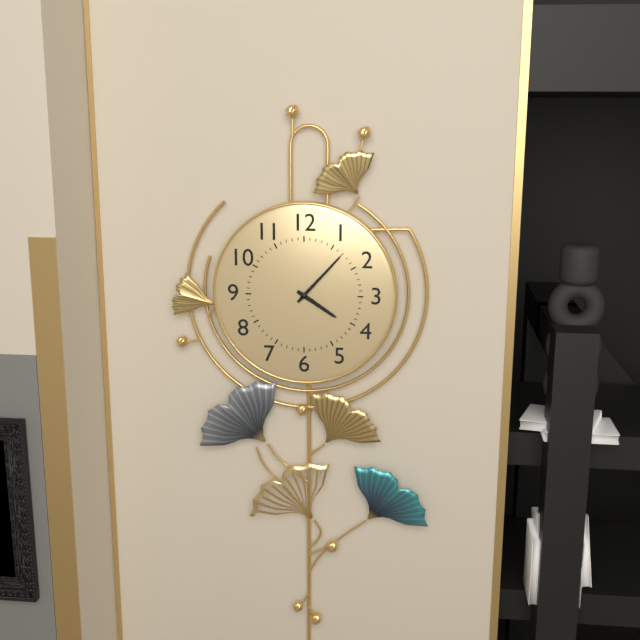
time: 4:07
